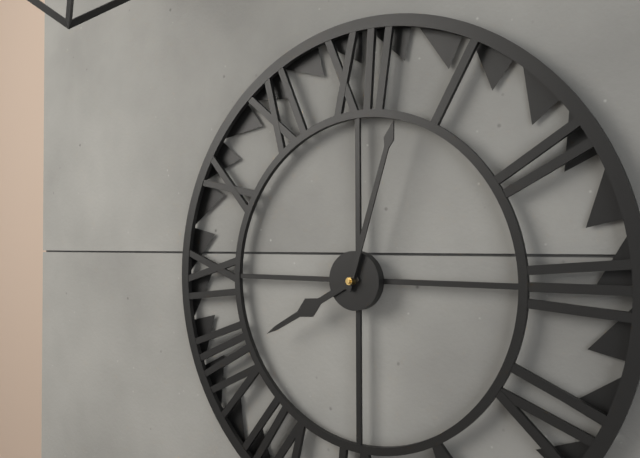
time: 8:03
